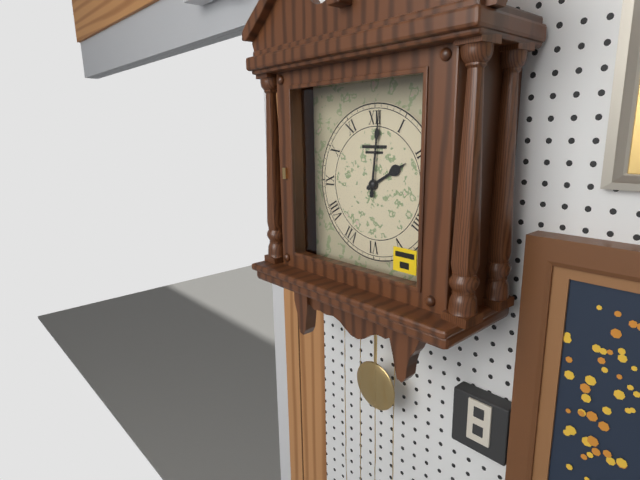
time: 2:01
